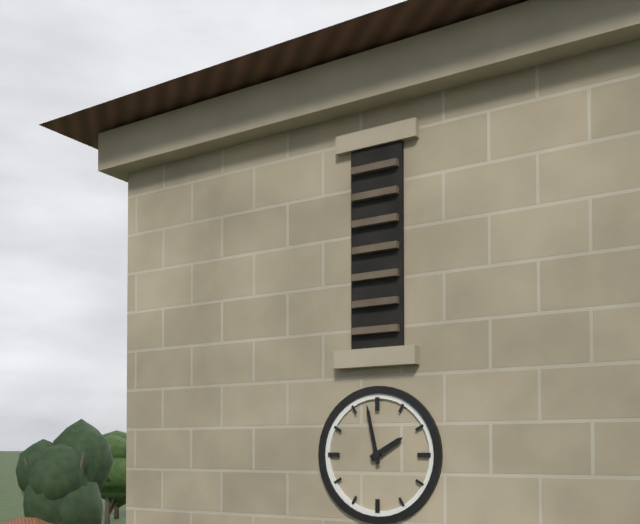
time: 1:58
